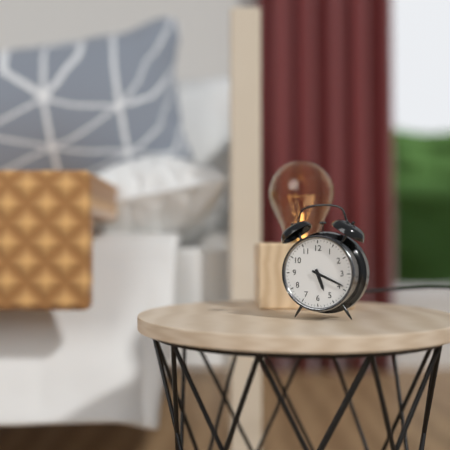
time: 5:19
